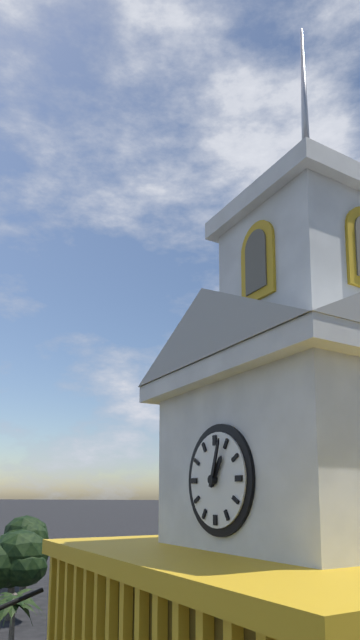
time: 1:03
